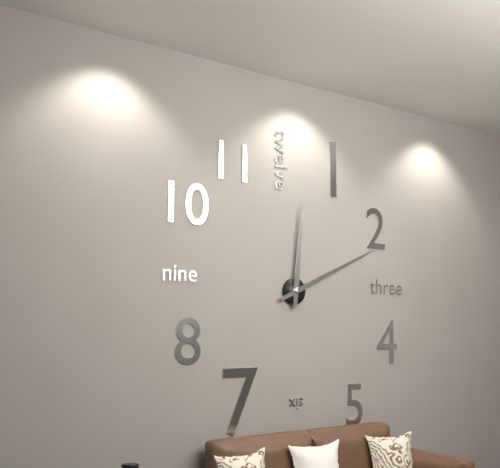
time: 12:11
